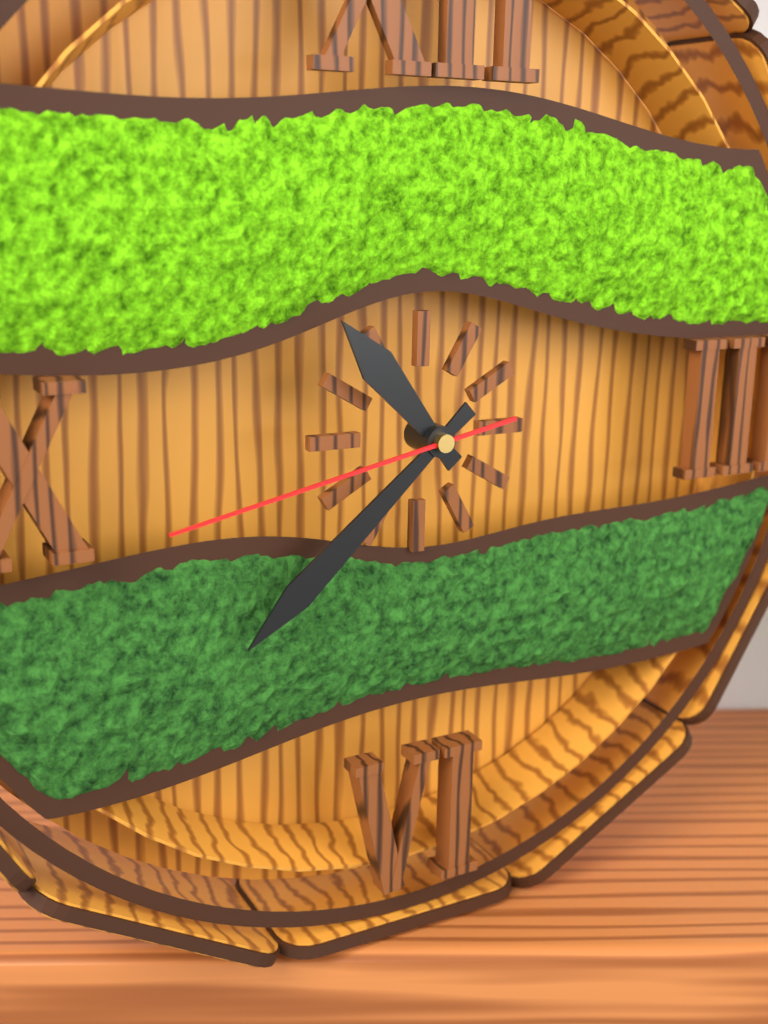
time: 10:38:43
